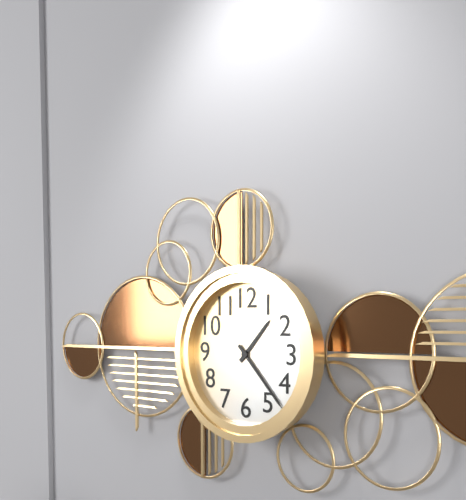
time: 1:23
